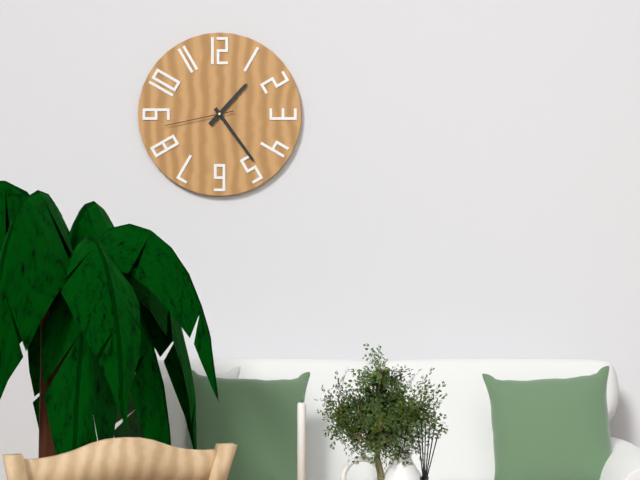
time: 1:24:43
